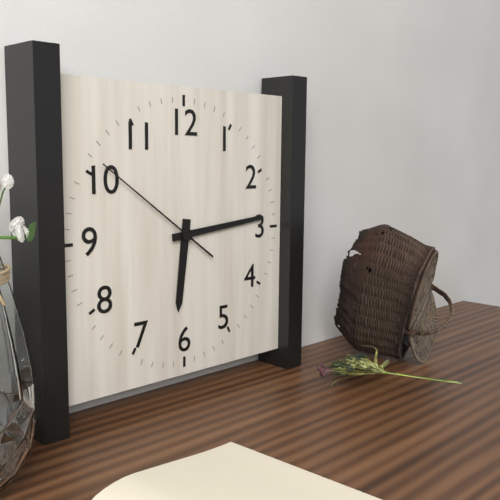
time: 6:14:51
